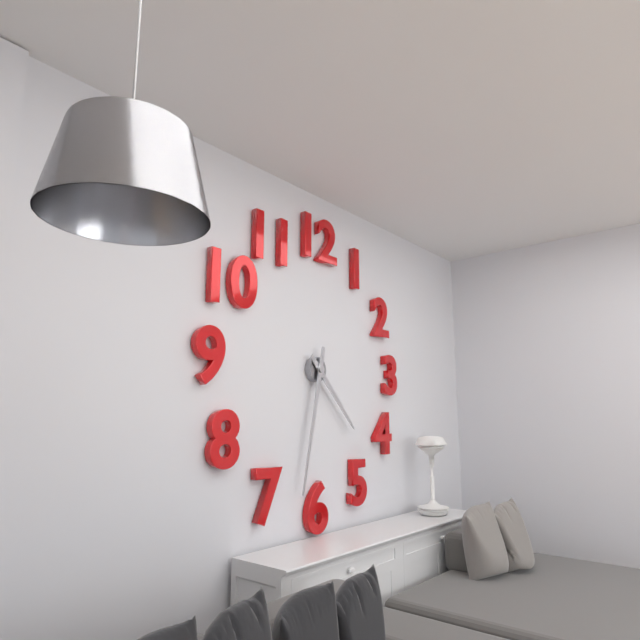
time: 4:32
